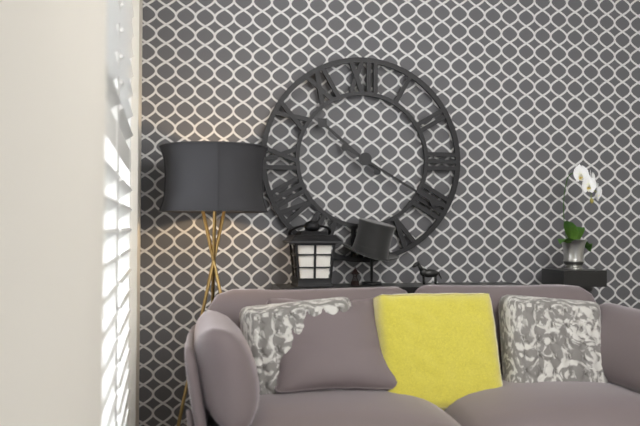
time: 10:20
